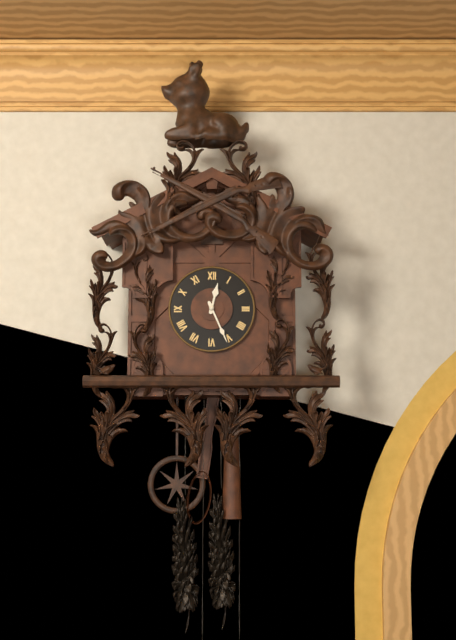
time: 12:26
